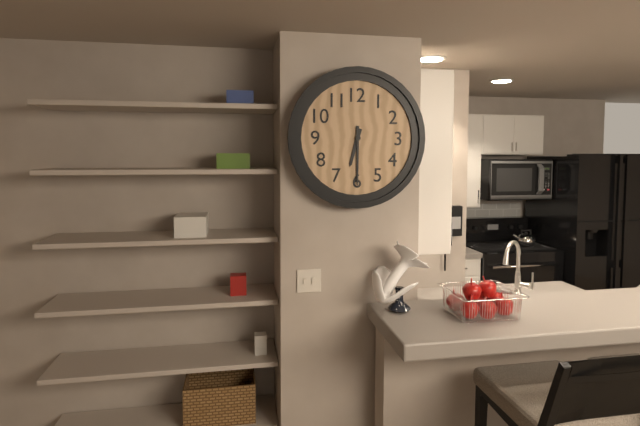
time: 6:30
